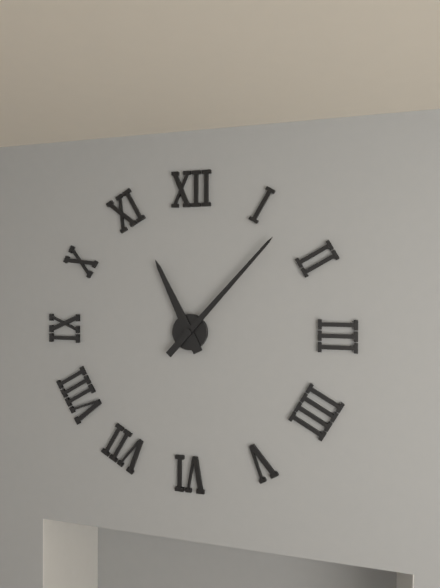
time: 11:07
